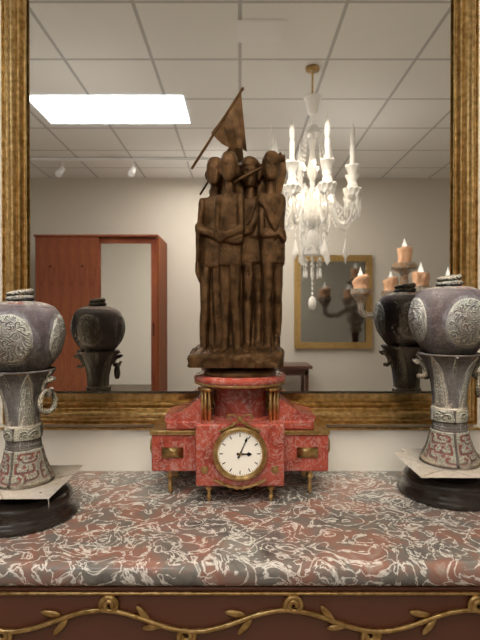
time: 3:04
